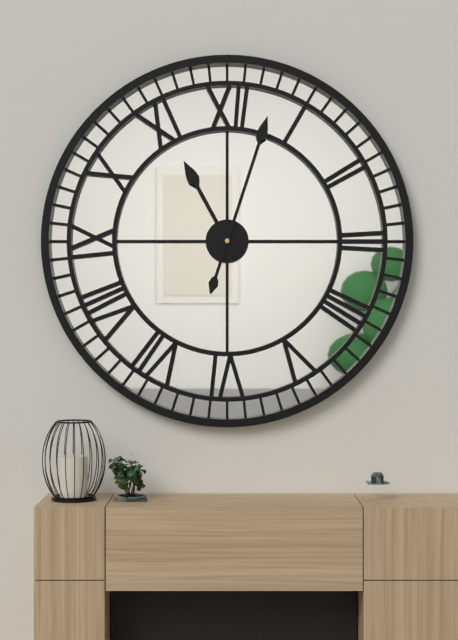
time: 11:03
